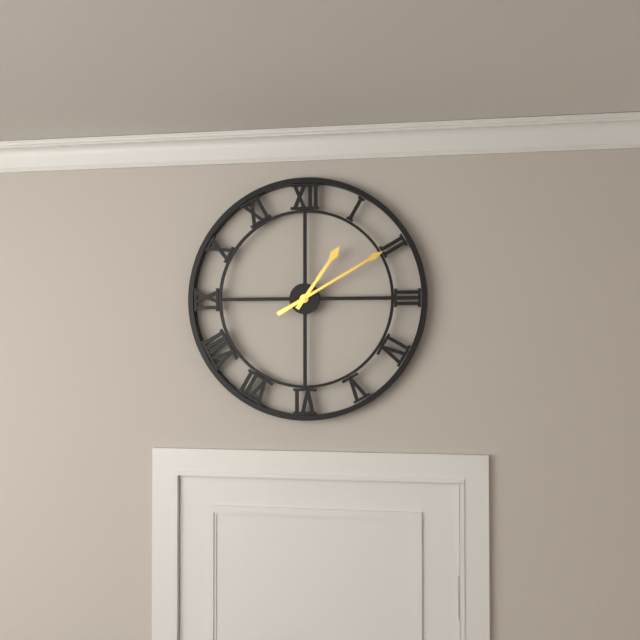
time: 1:10
